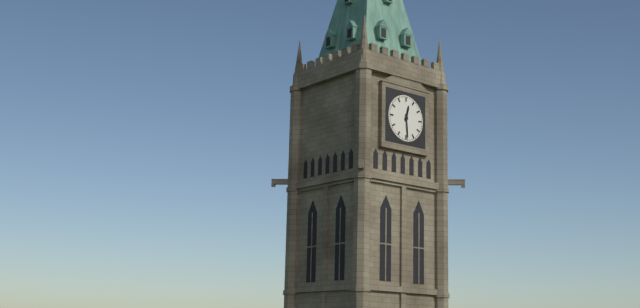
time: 12:29
